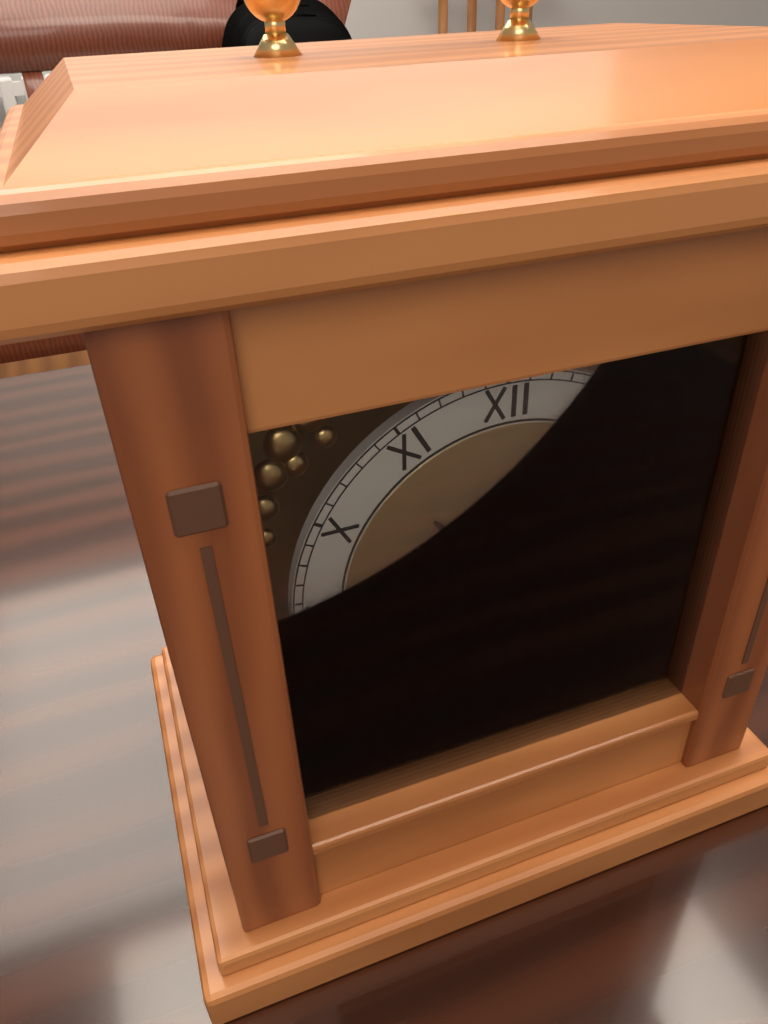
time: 10:36
